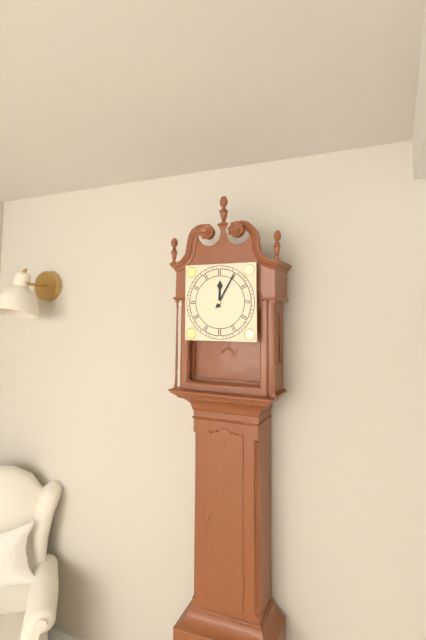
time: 12:05
